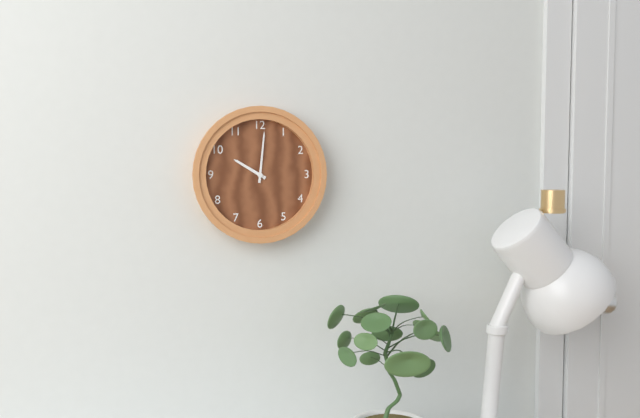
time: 10:01
